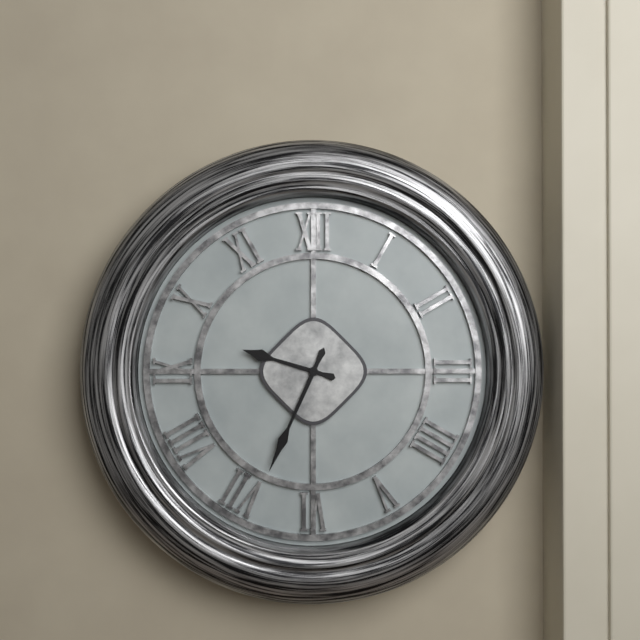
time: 9:34
